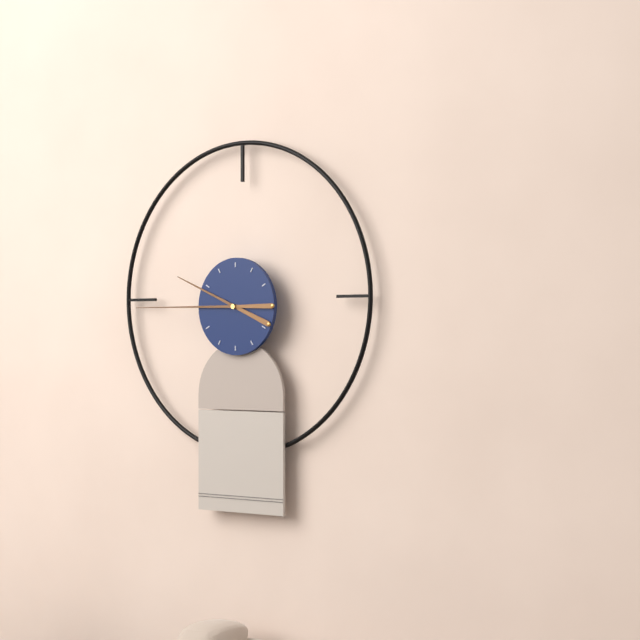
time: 9:45
